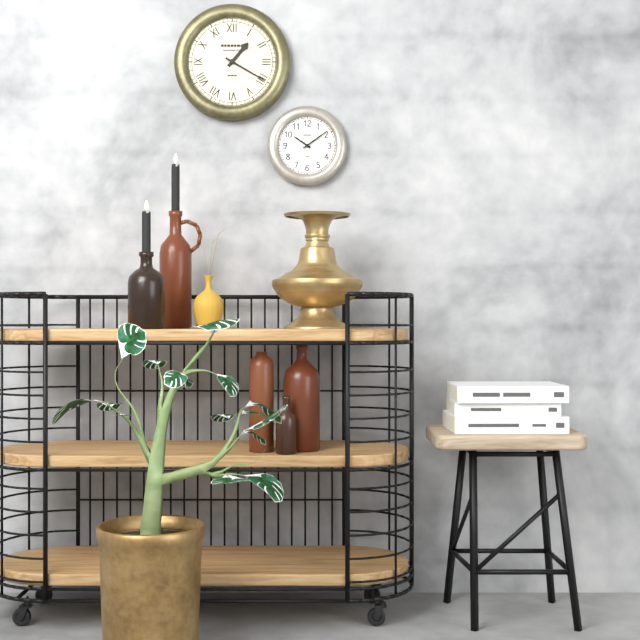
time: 1:20
